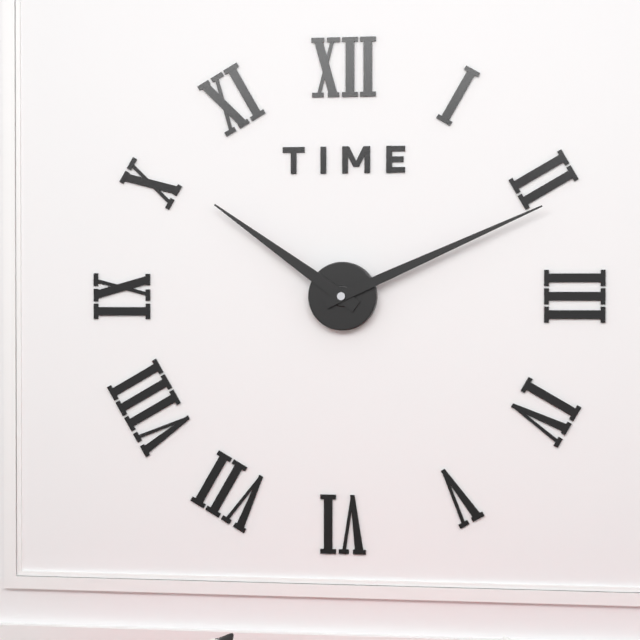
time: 10:11
